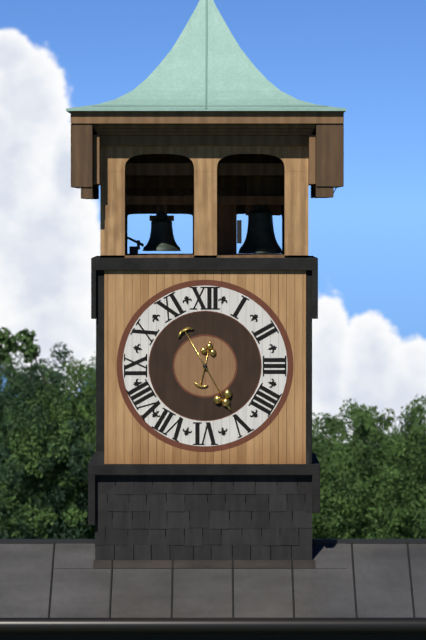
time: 12:25
